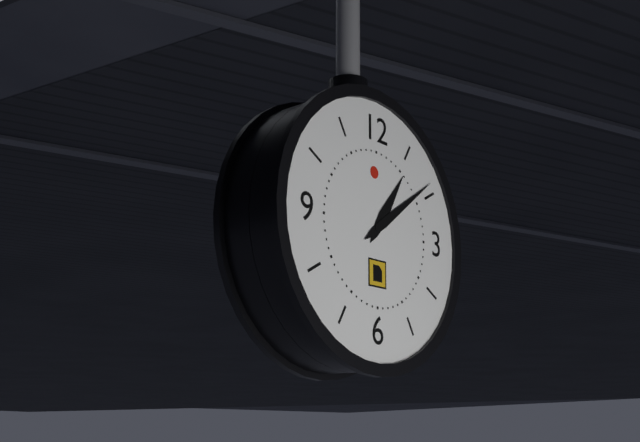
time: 1:09
